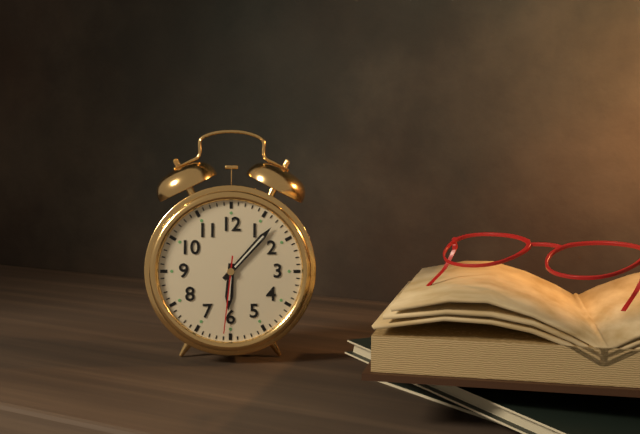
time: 6:07:31
